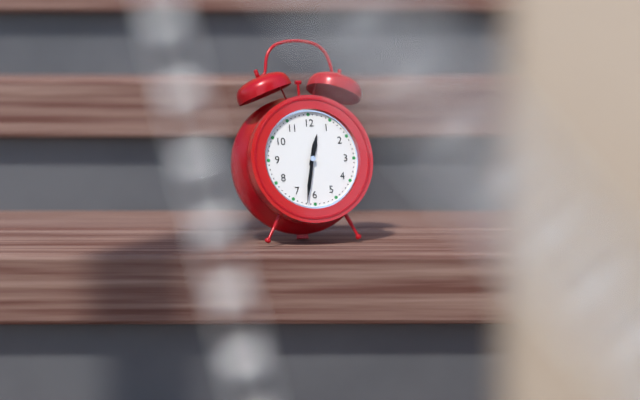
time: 12:32:32
